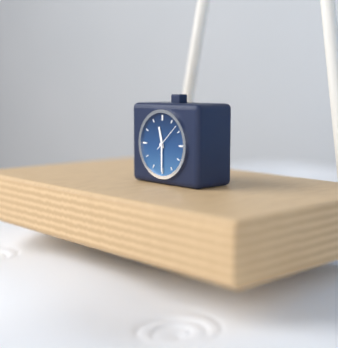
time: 11:30
